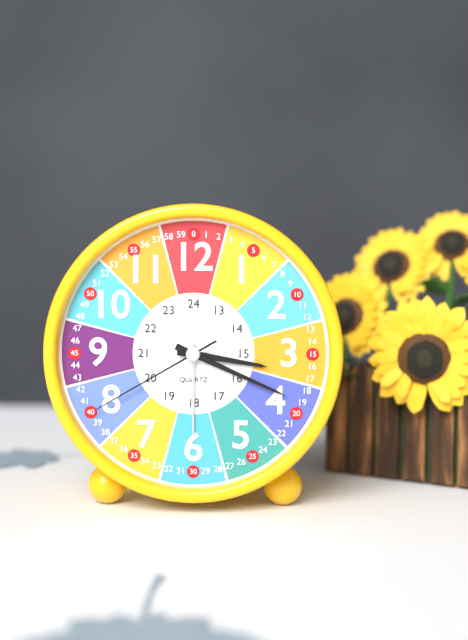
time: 3:19:40
